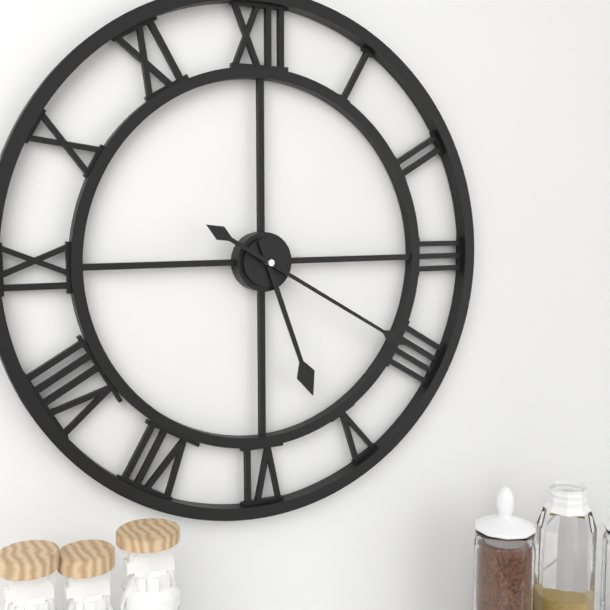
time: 5:20
